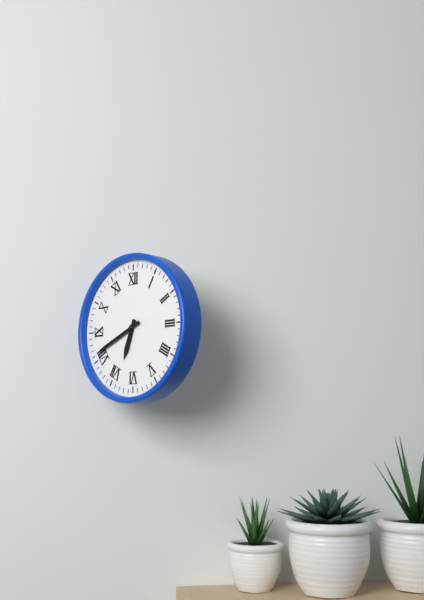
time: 6:41
